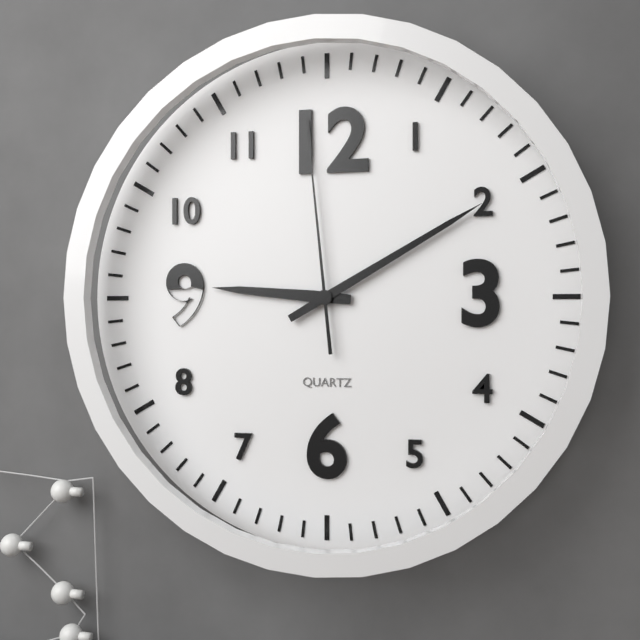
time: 9:10:59
